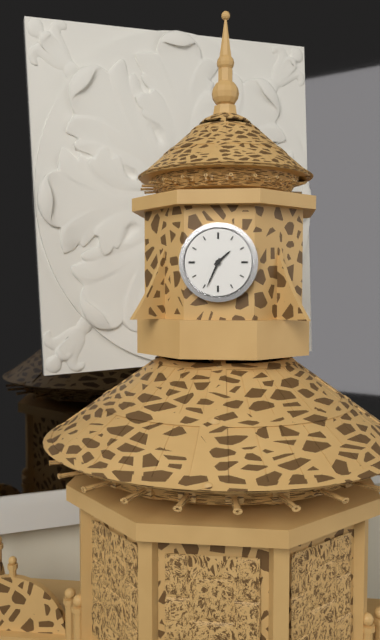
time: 1:34
